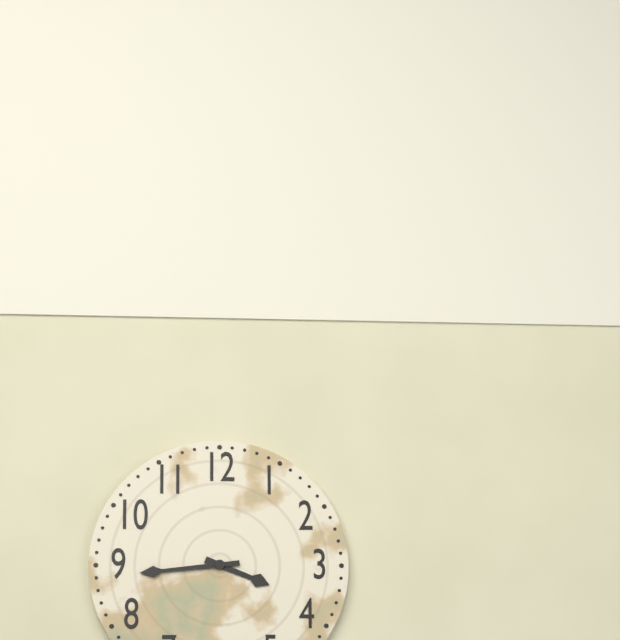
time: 3:44
